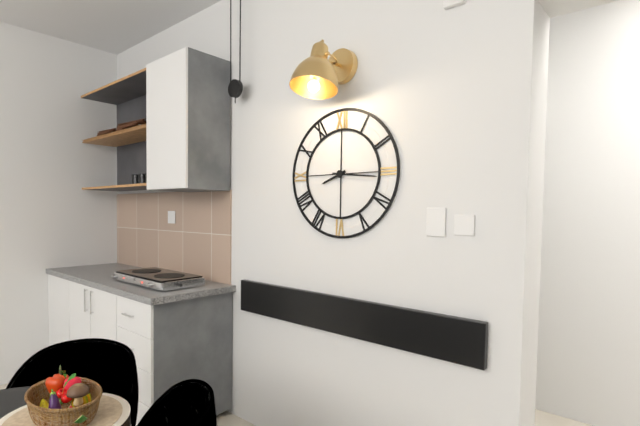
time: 8:16
